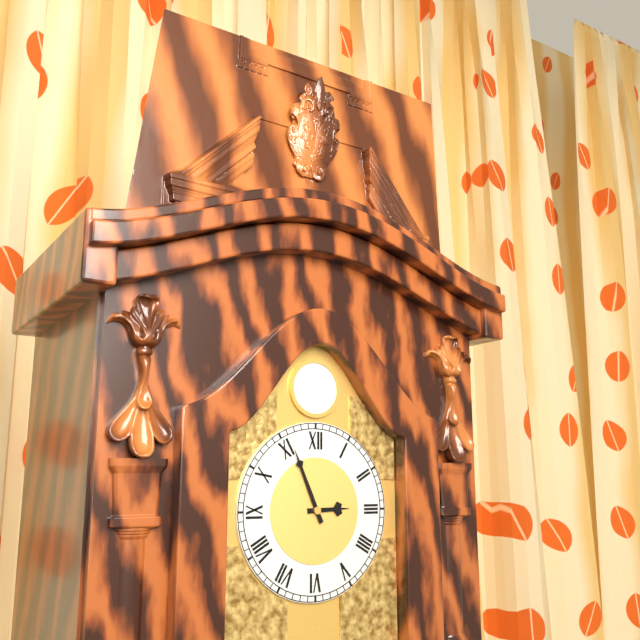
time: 2:56
